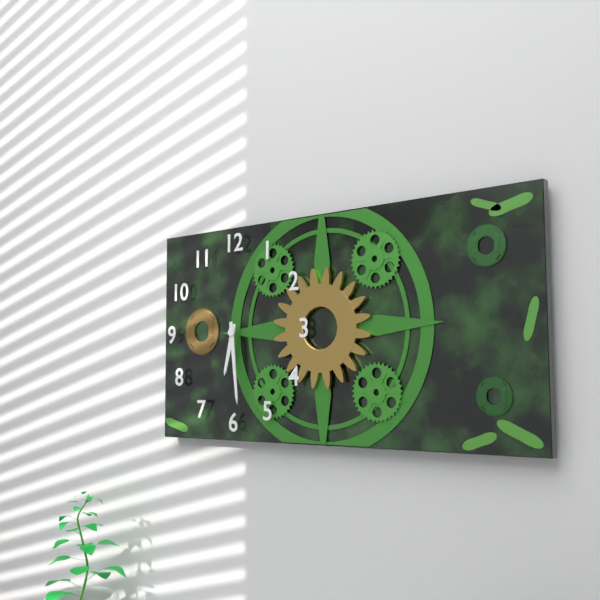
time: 6:29
